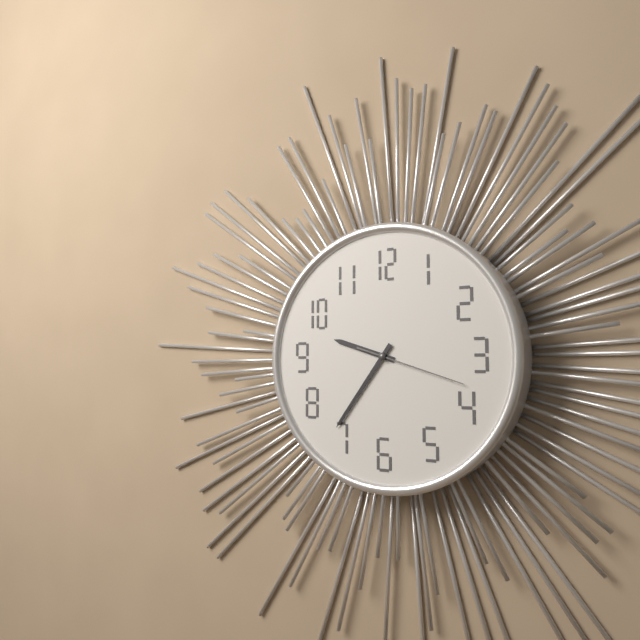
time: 9:36:18
